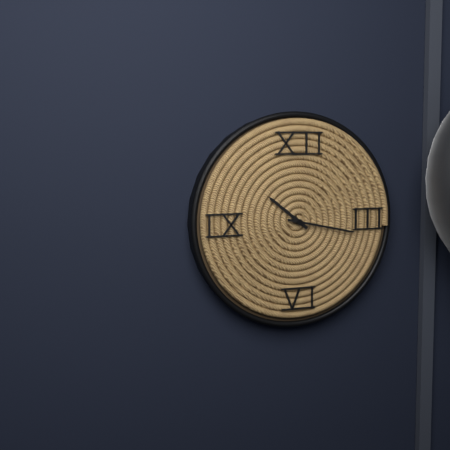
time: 10:17
